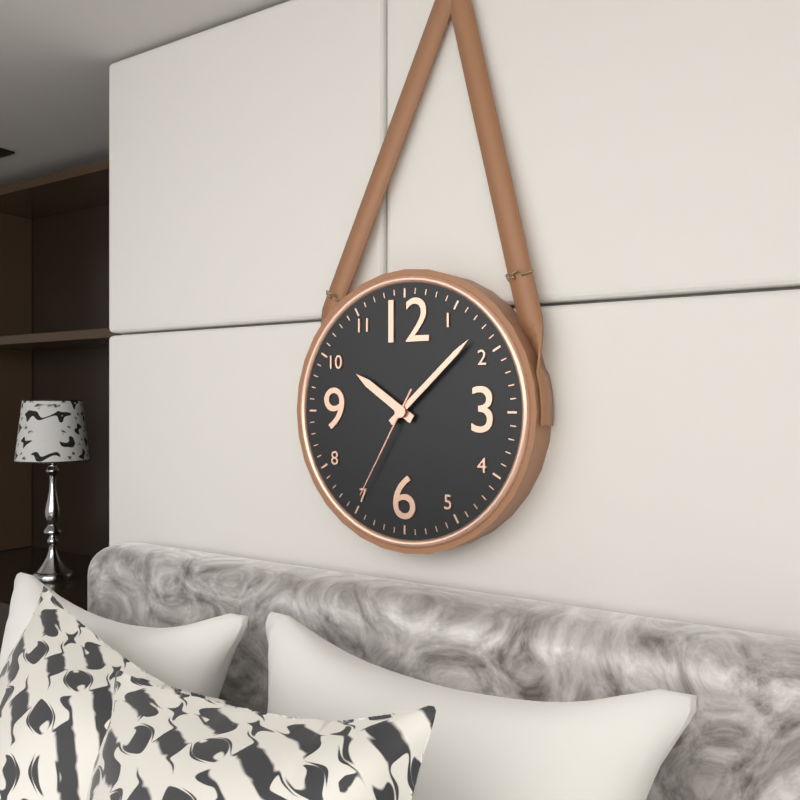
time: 10:08:35
